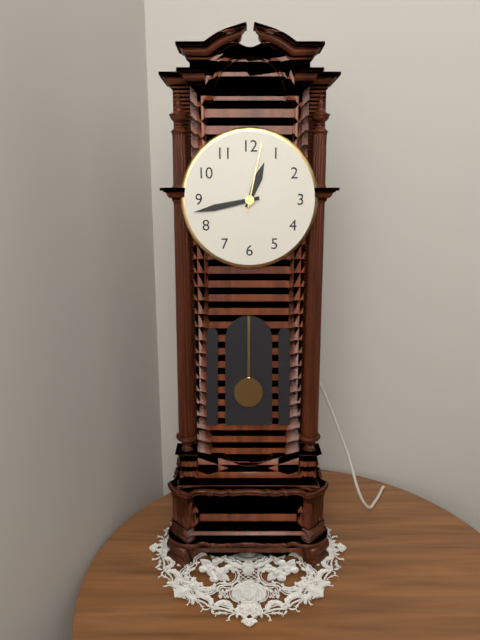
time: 12:43:02
